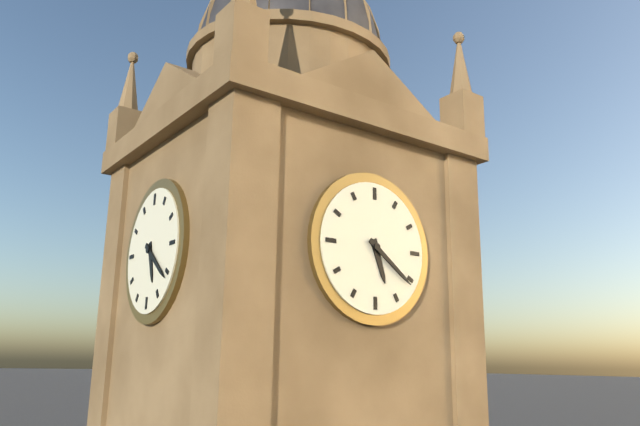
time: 5:21
